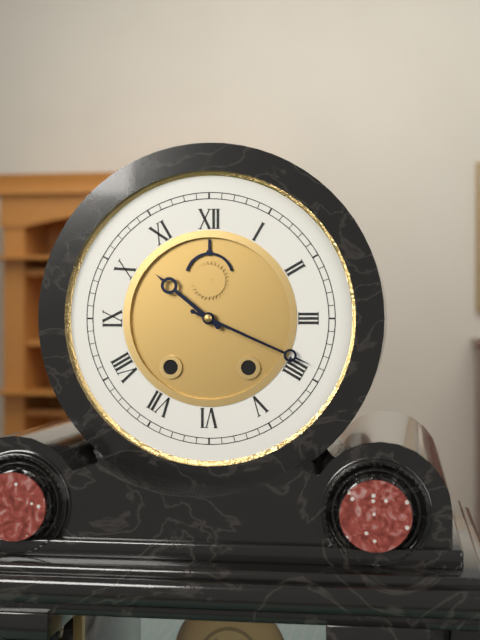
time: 10:19
